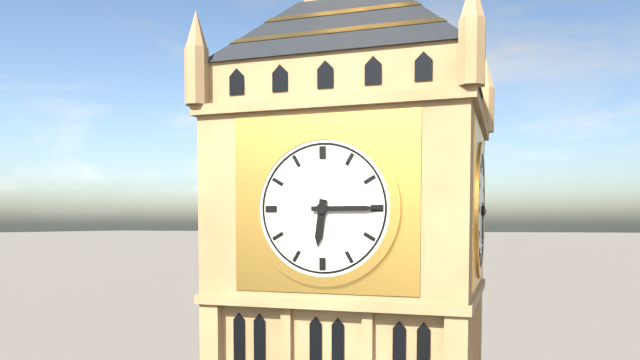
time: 6:15
